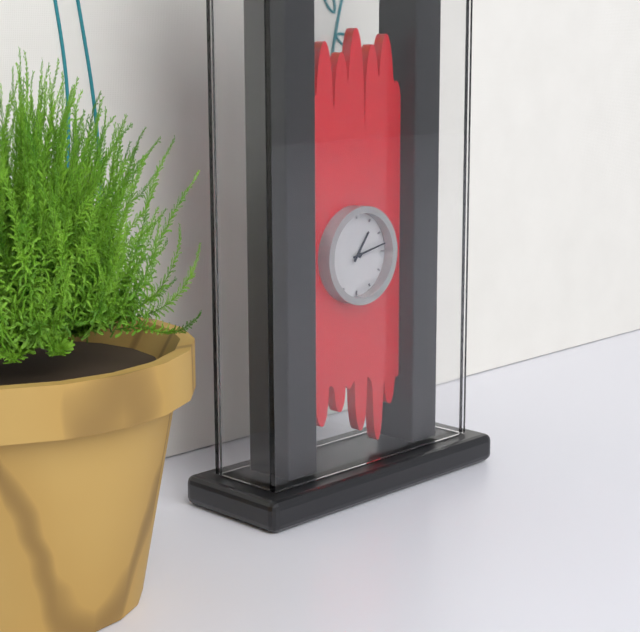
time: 1:13
